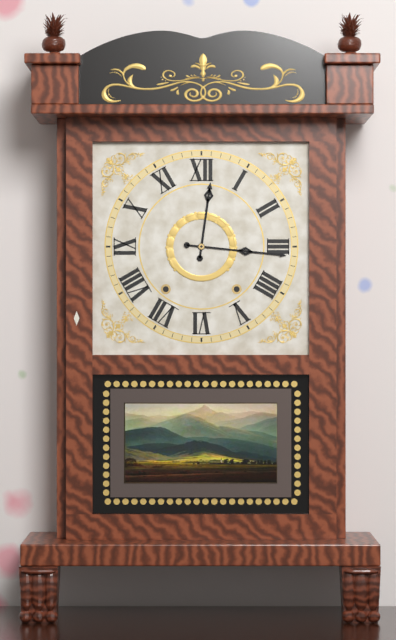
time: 12:16
